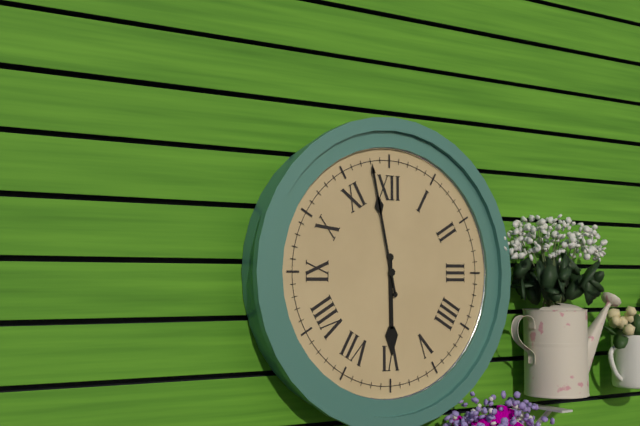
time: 5:58
